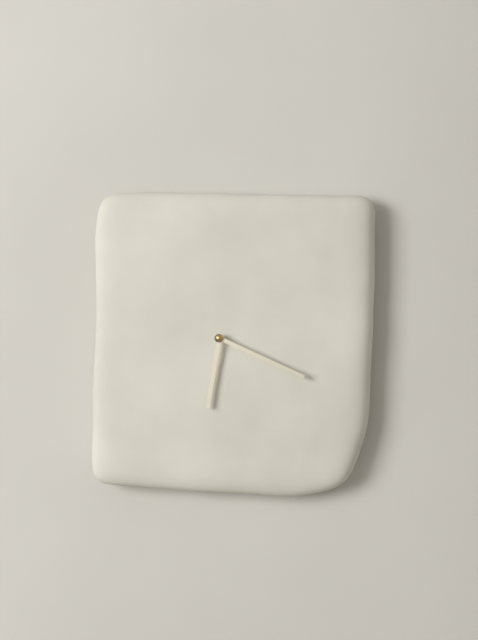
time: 6:19
